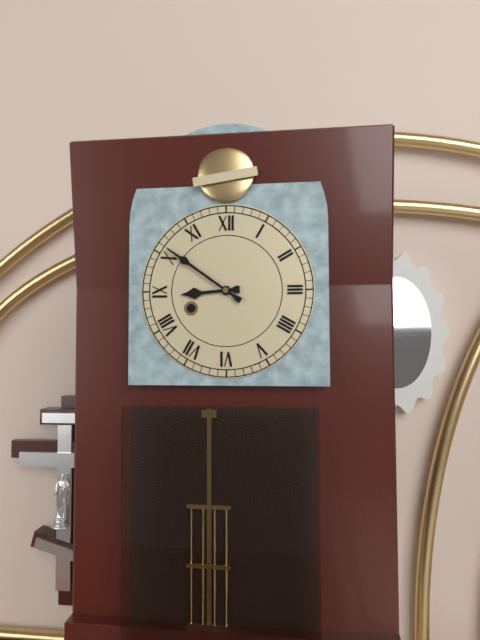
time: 8:51
